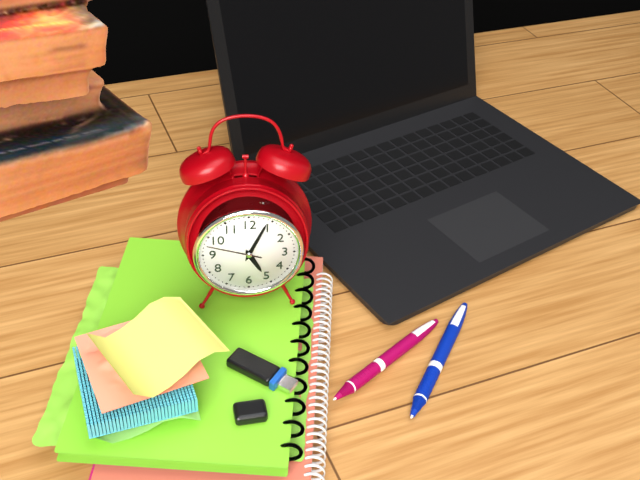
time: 5:04:48
